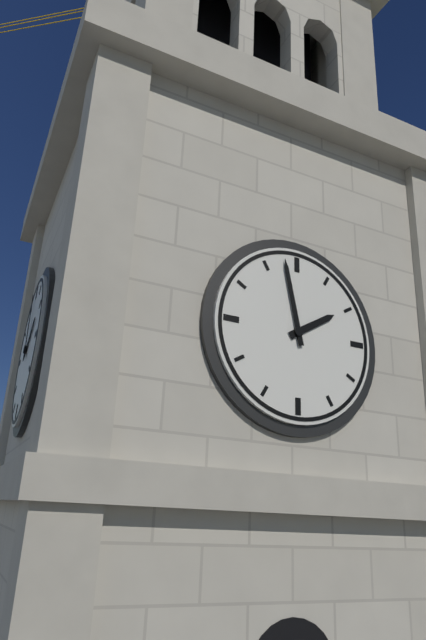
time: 1:58
